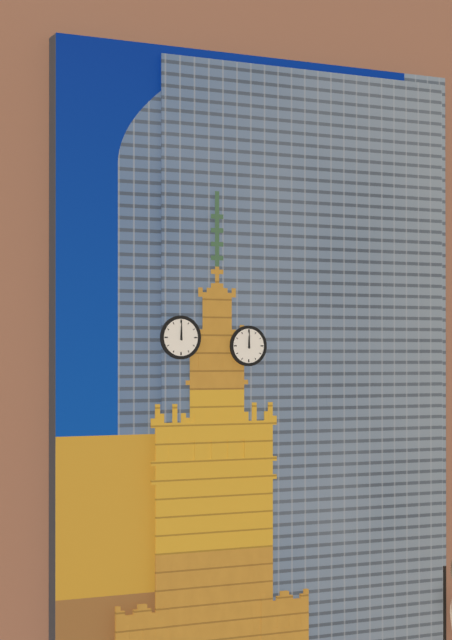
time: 12:00
